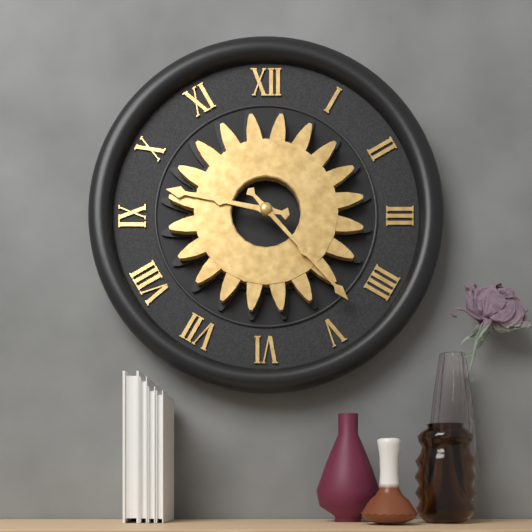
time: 9:23
